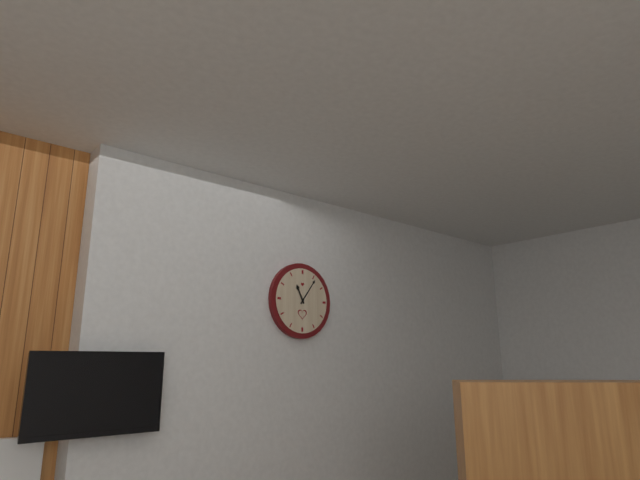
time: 11:06
